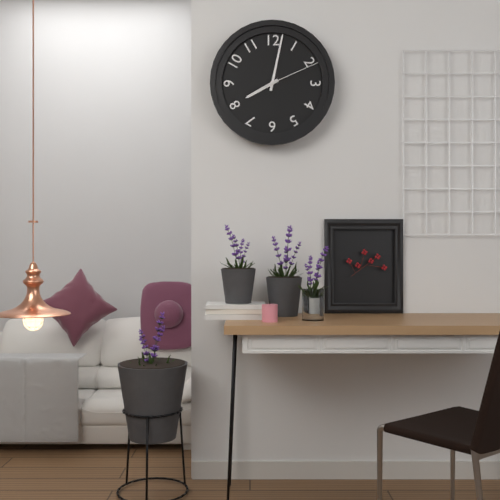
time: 8:02:11
